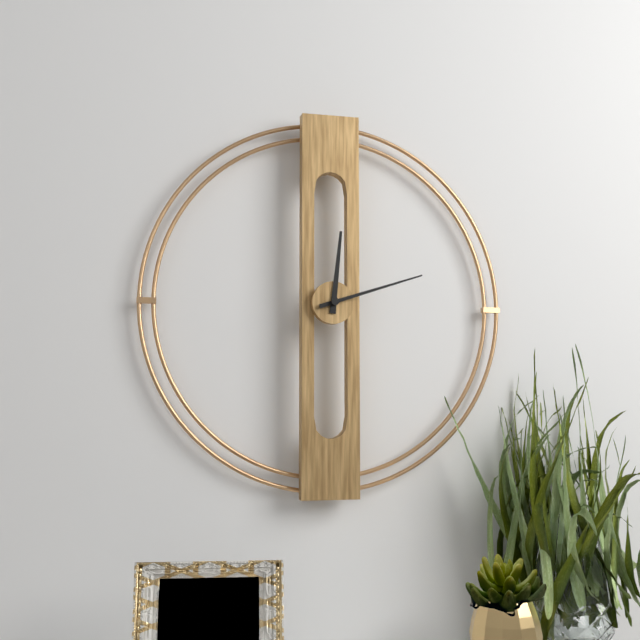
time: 12:12
